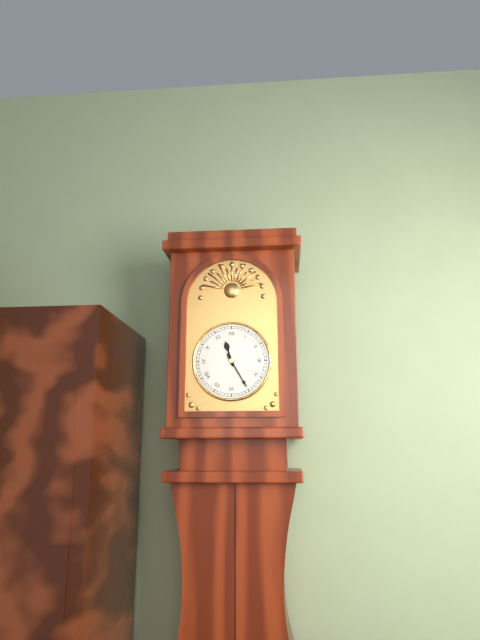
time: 11:25
